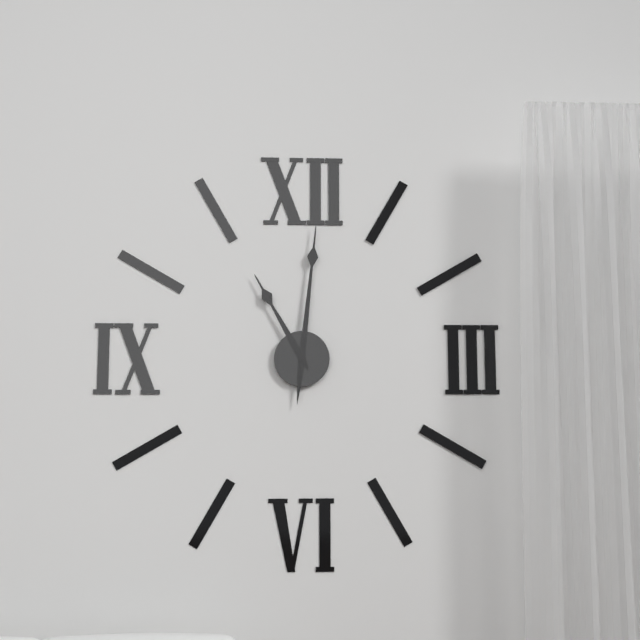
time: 11:01
